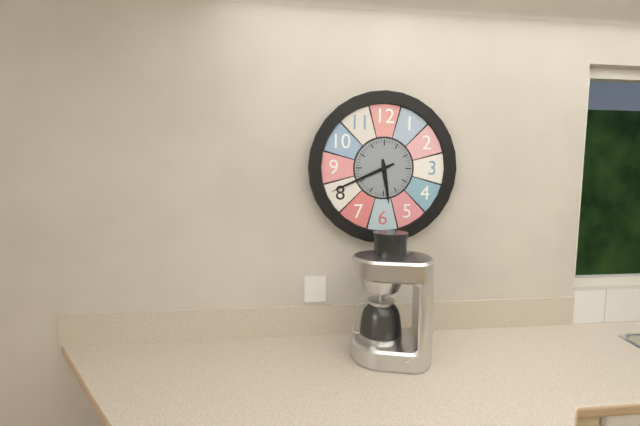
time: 5:41
